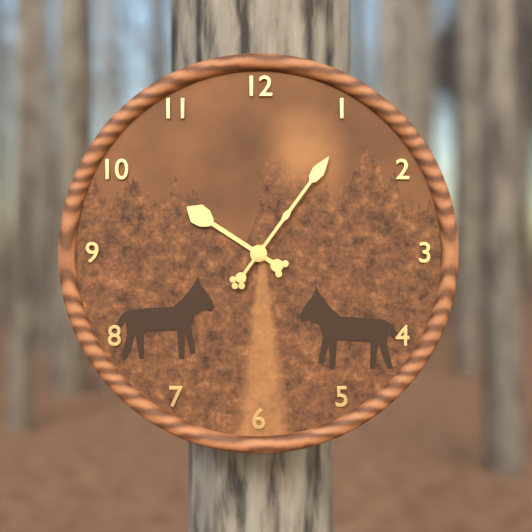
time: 10:06
